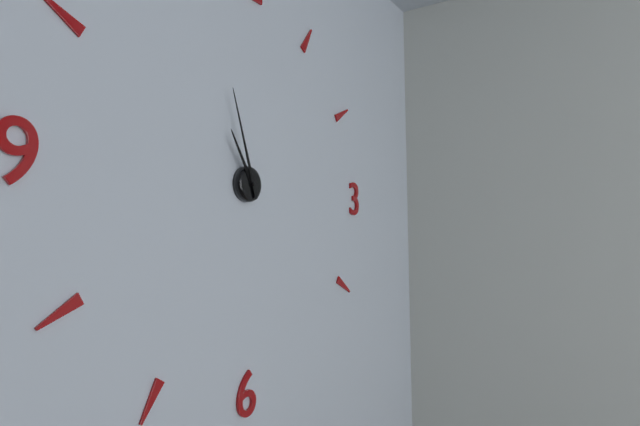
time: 10:57
